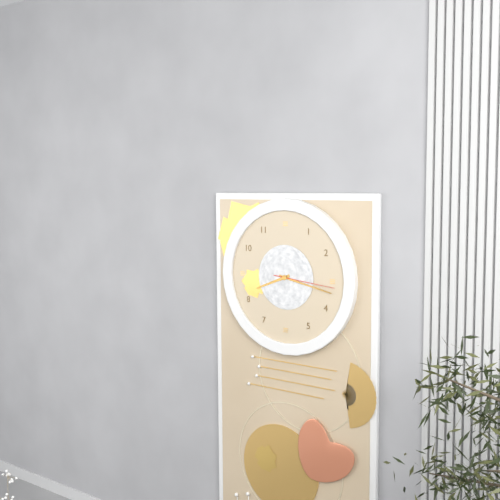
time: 8:17:16
